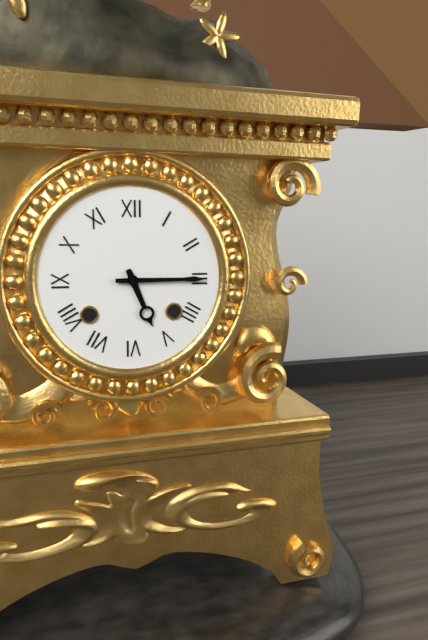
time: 5:15
